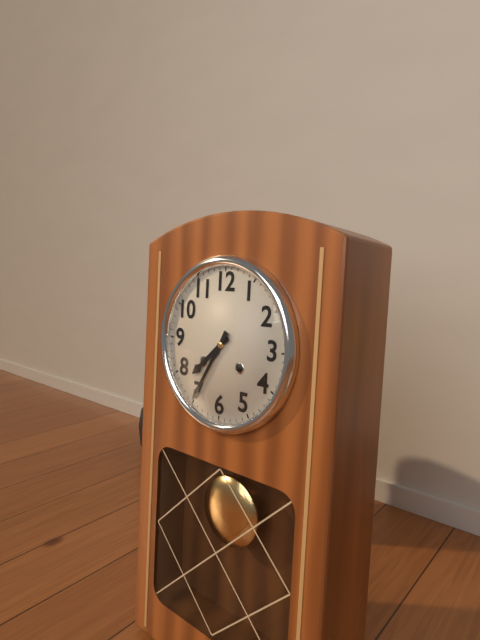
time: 7:35
